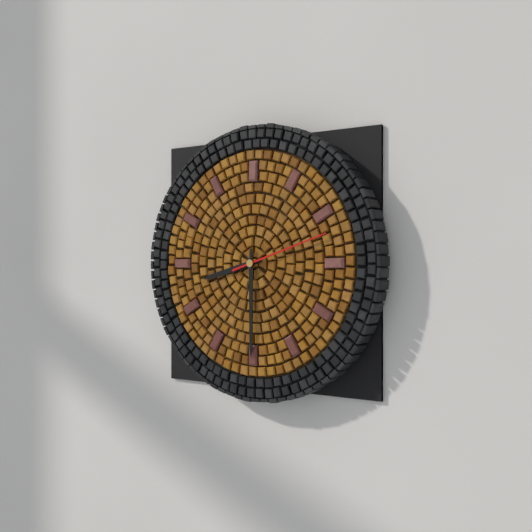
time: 8:30:12
